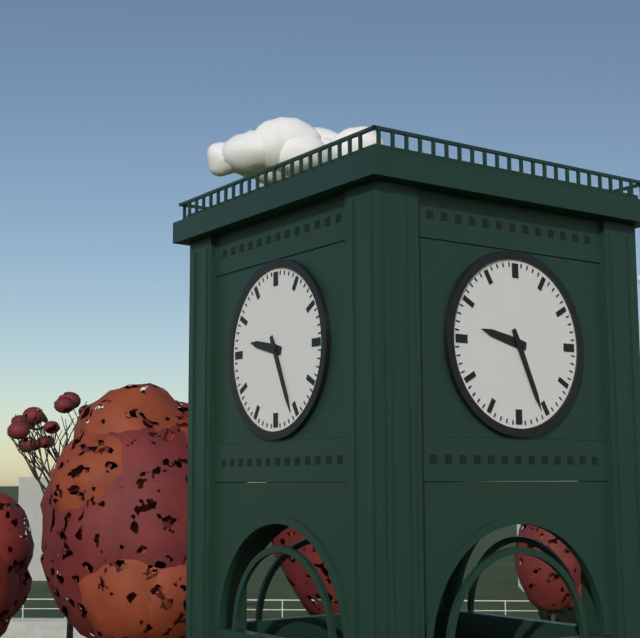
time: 9:26
